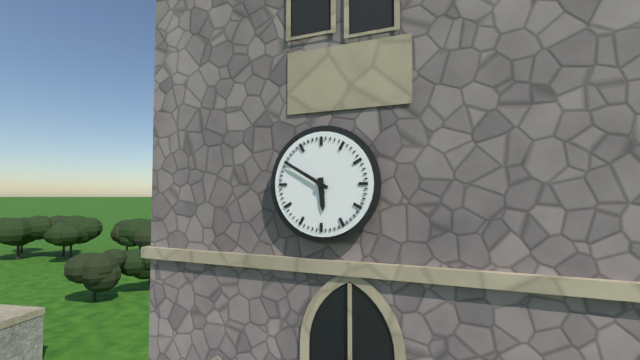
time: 5:50
